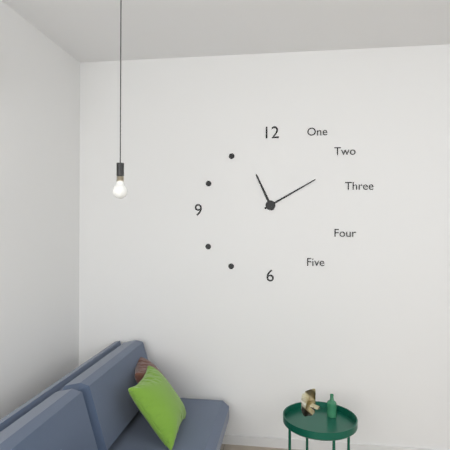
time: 11:10
